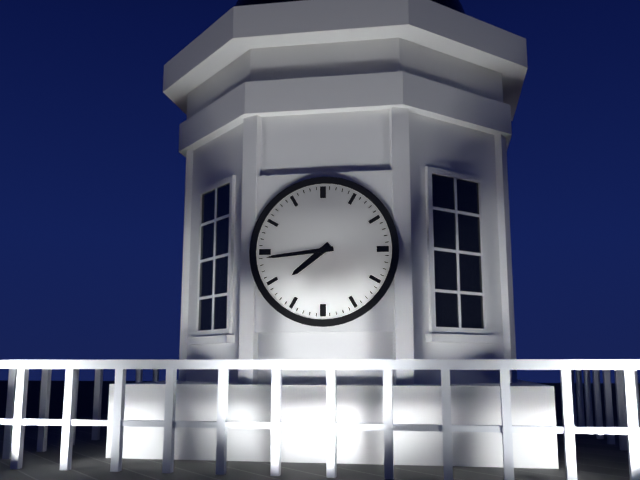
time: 7:44
